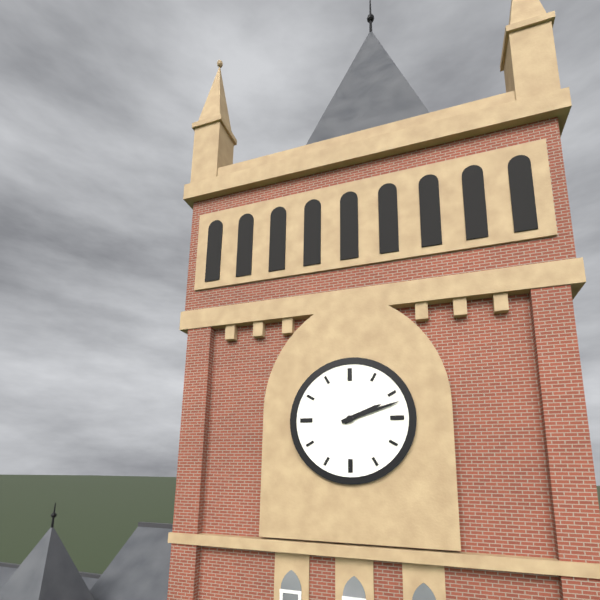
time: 2:12
